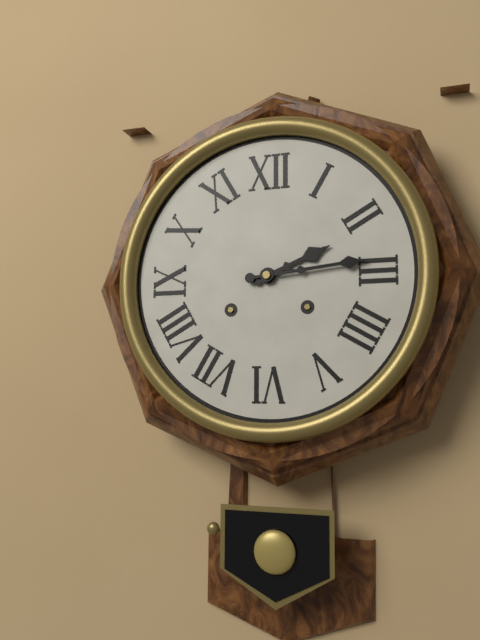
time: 2:14
